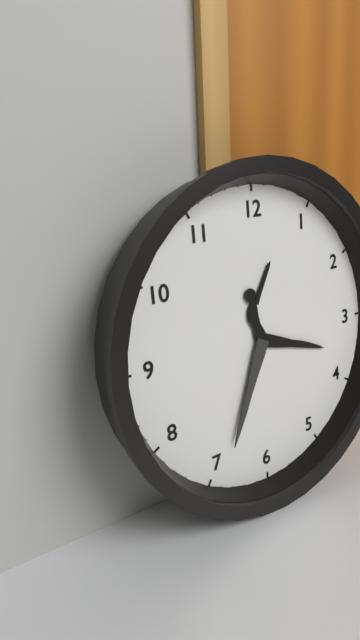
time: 3:34
